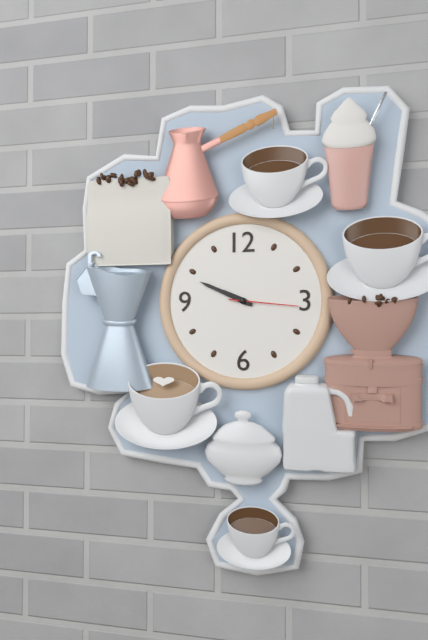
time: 9:49:16
